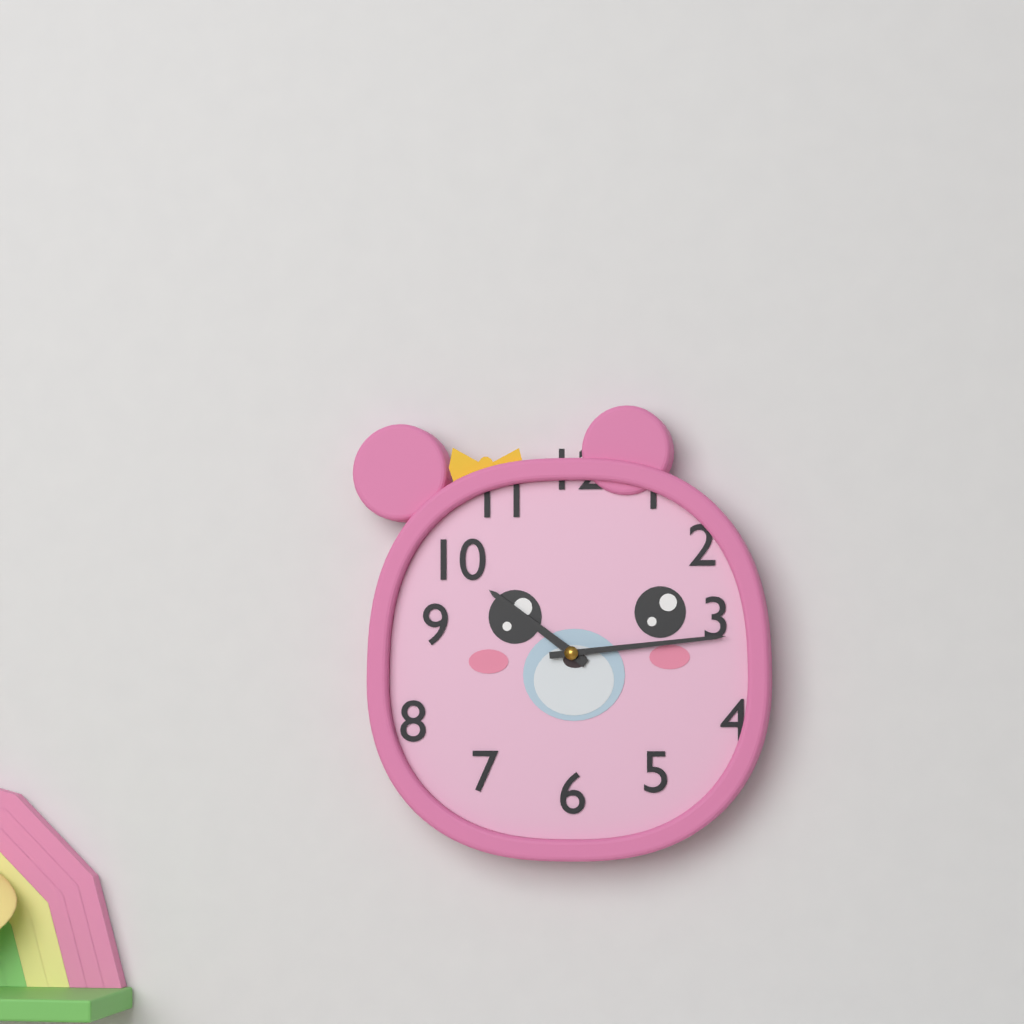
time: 10:14
